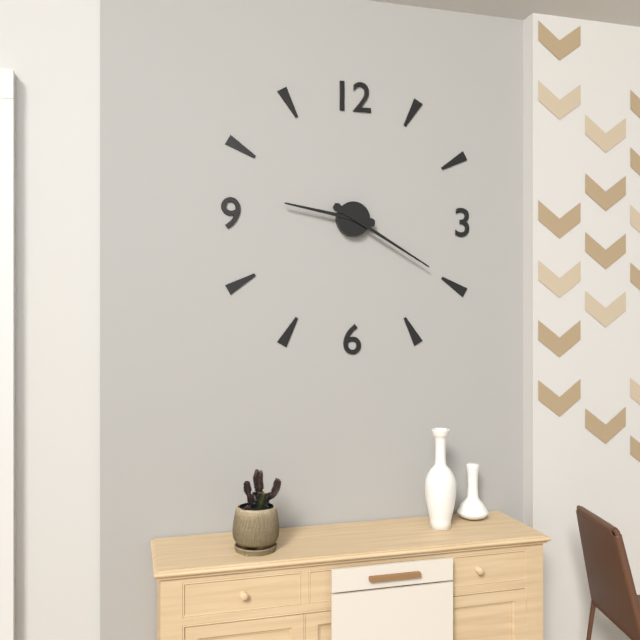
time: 9:20
